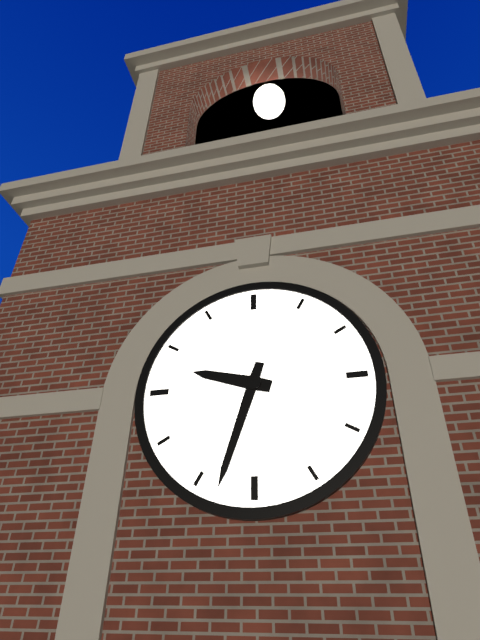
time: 9:33
